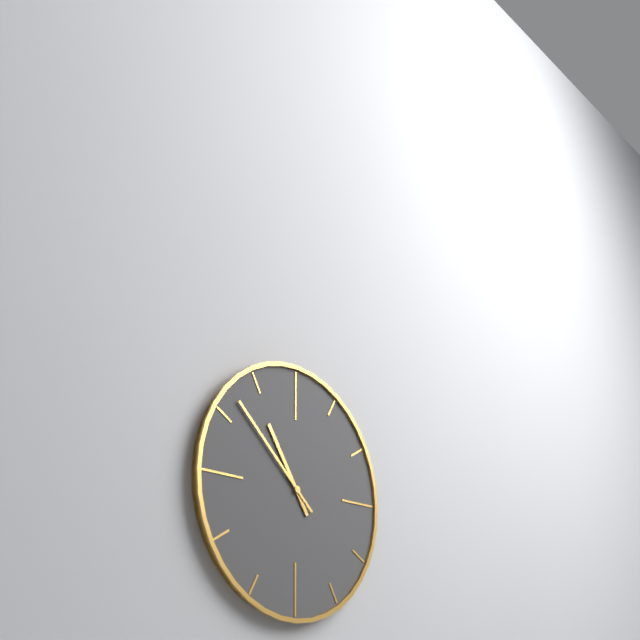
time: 10:52
